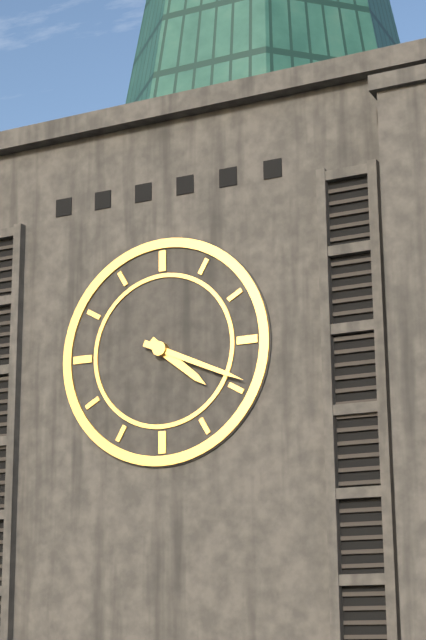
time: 4:19
